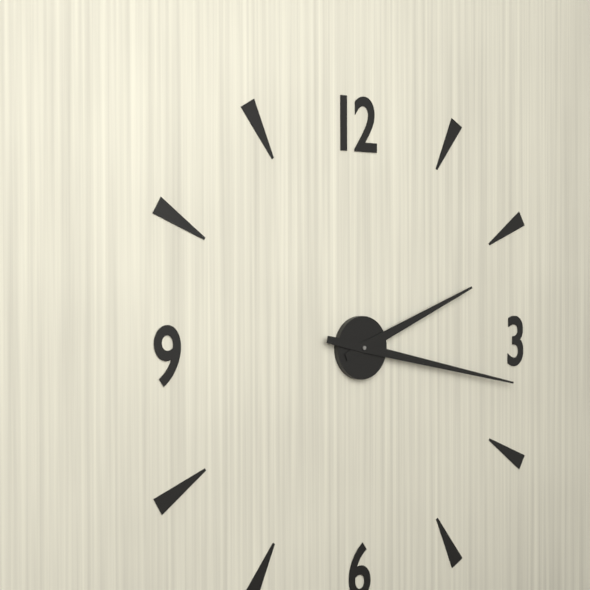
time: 2:17
